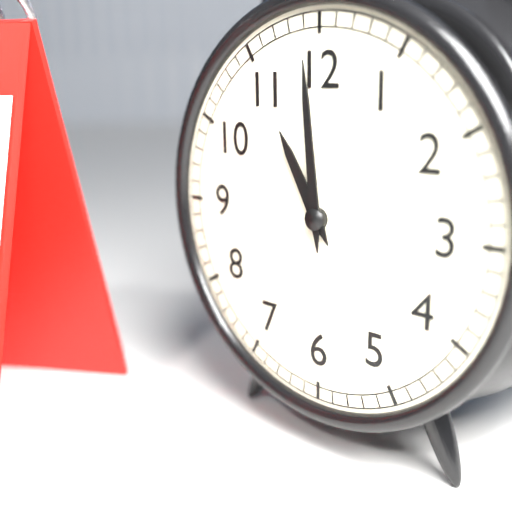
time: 10:59
